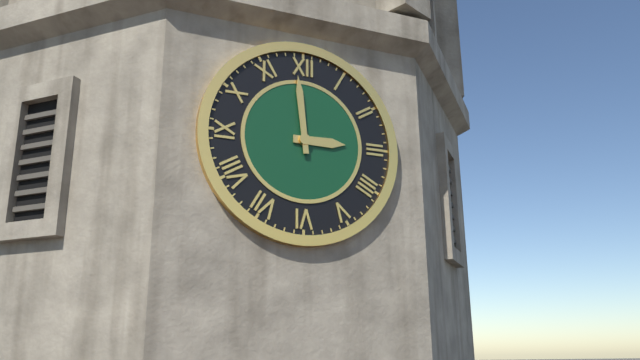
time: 2:59
